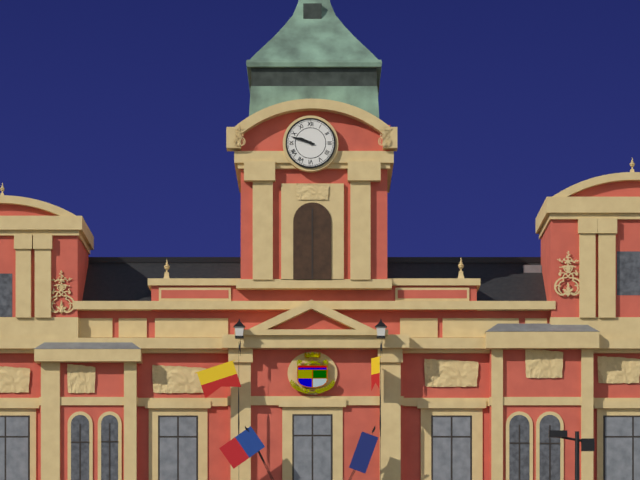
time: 9:48
